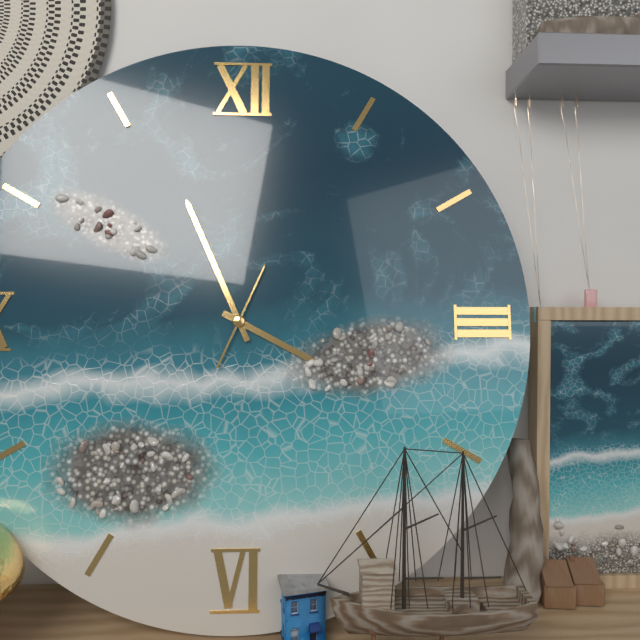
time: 3:56:04
